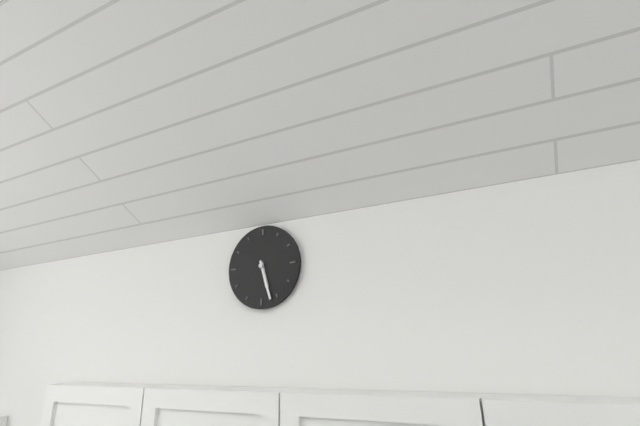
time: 5:27
